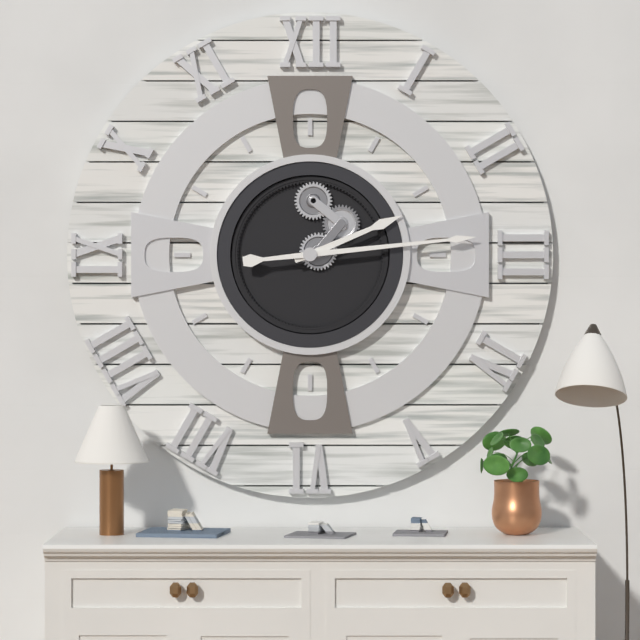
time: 2:14
